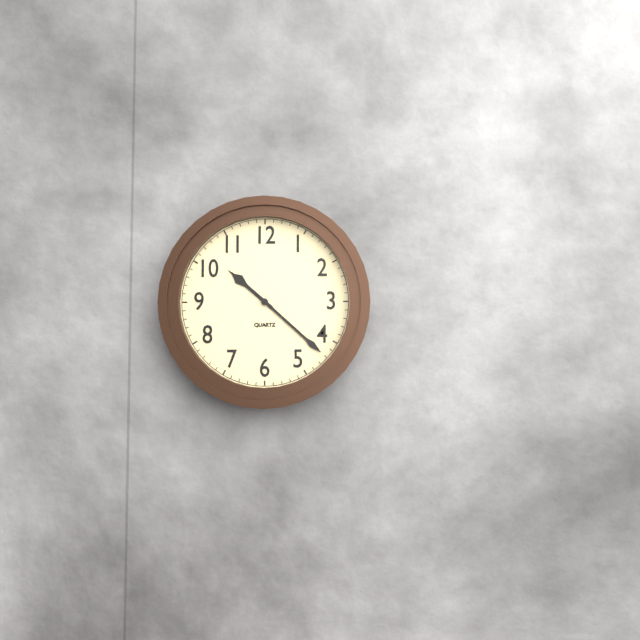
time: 10:22
